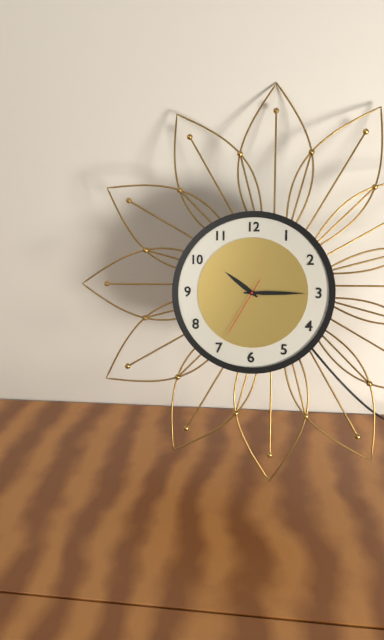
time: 10:15:35
